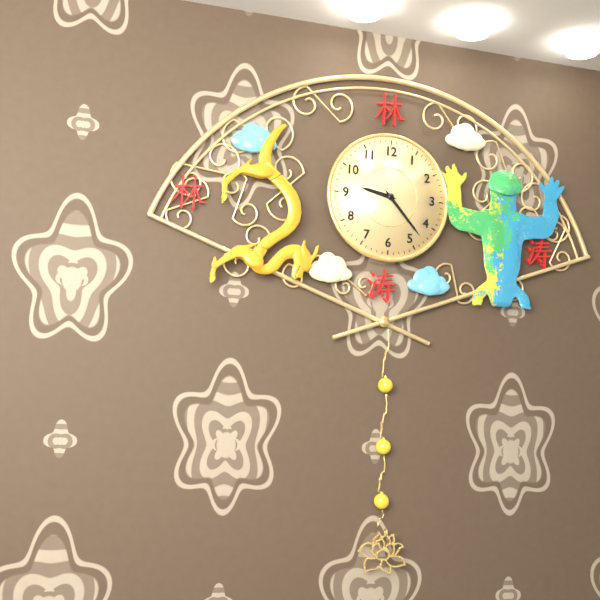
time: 9:23
